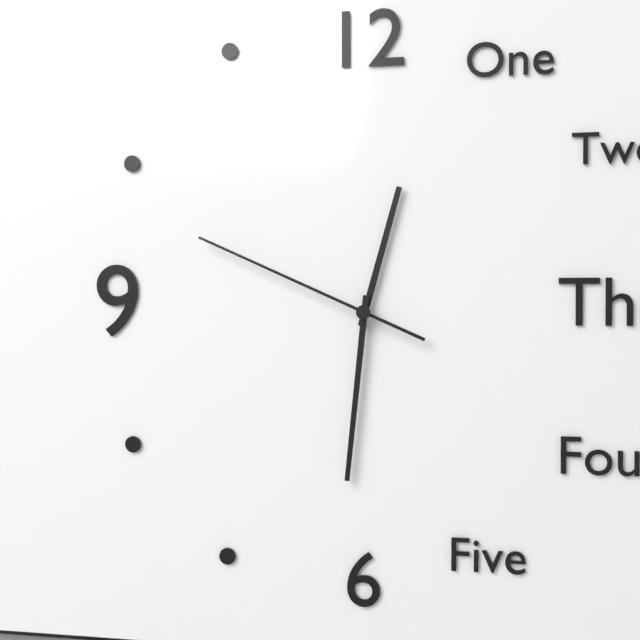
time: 12:31:49
